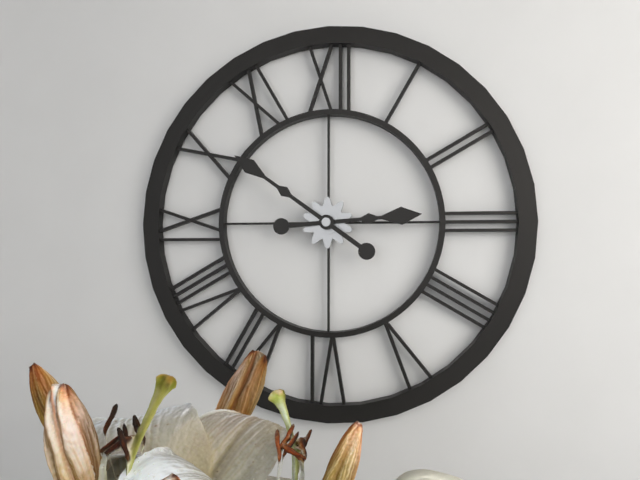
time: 2:51
